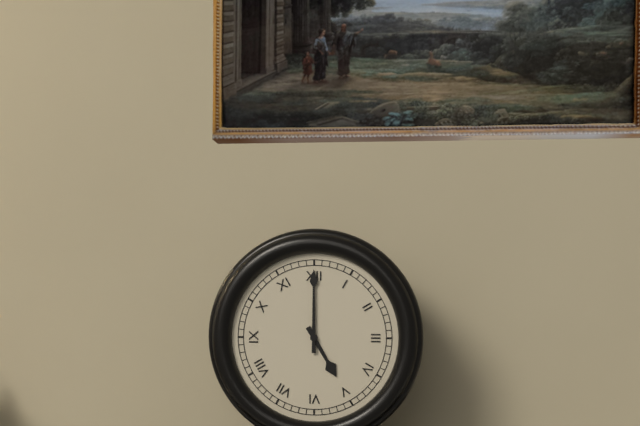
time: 5:00
